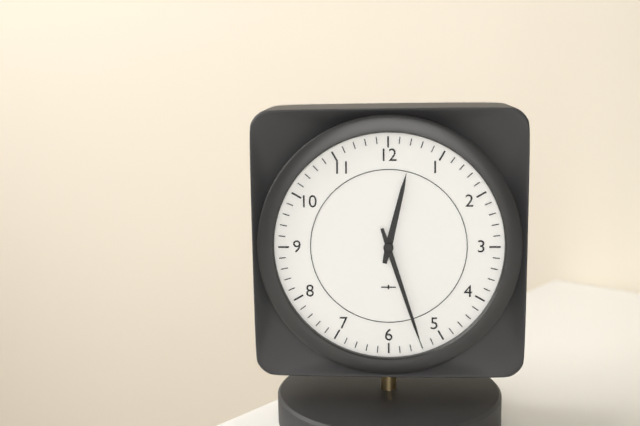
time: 12:27
